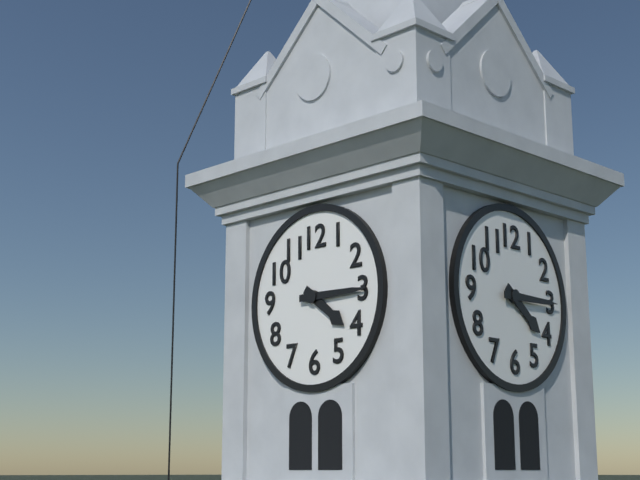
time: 4:15
